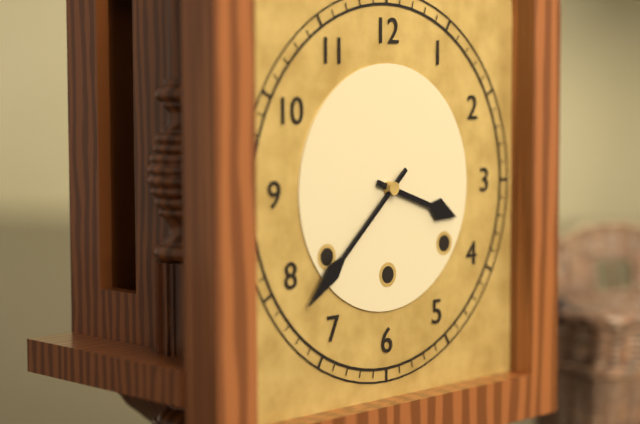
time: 3:38
